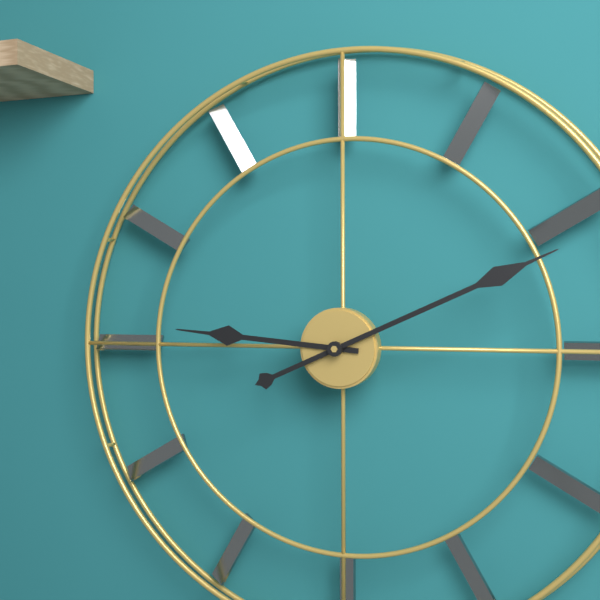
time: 9:11
